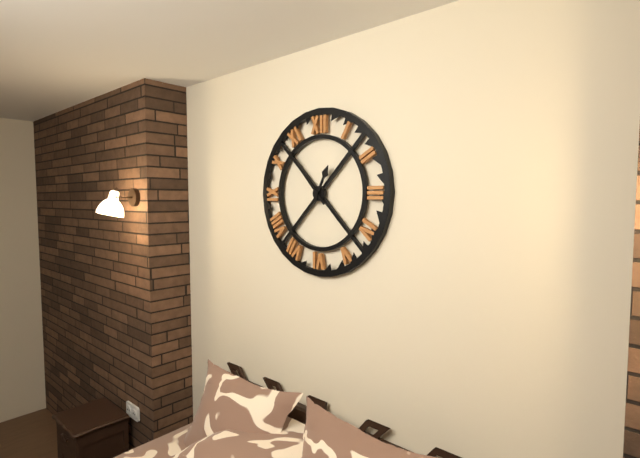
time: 12:53
